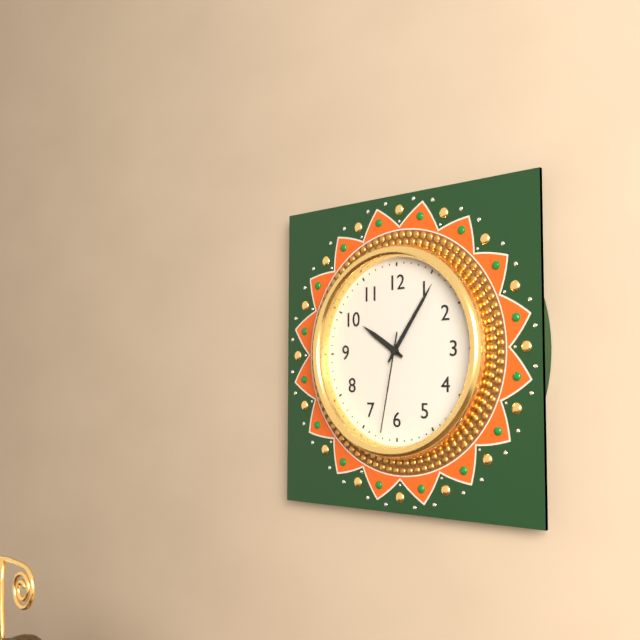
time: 10:06:32
